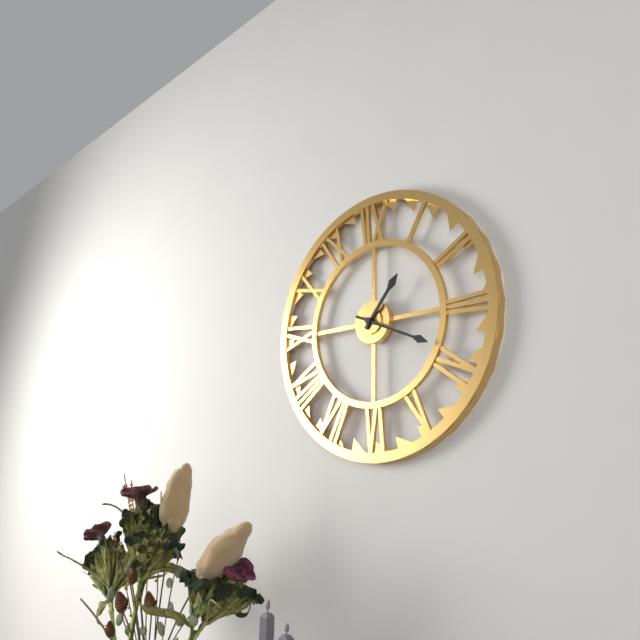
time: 1:19
